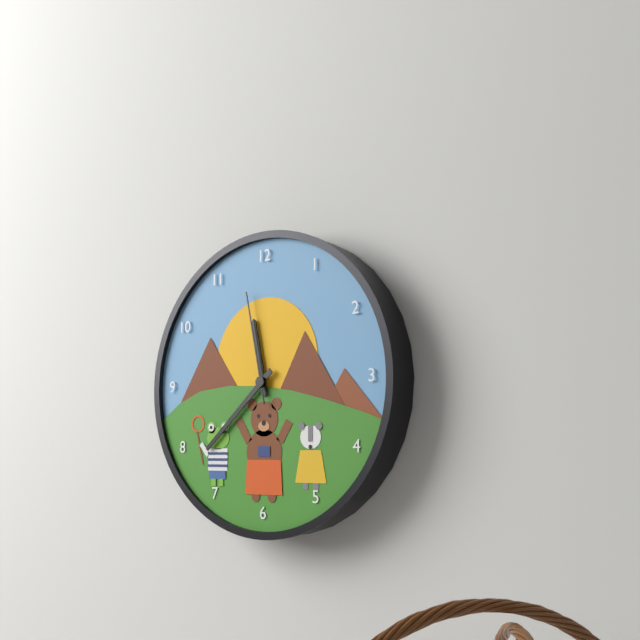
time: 11:38:58
